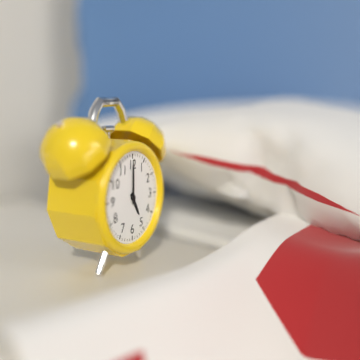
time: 5:00
